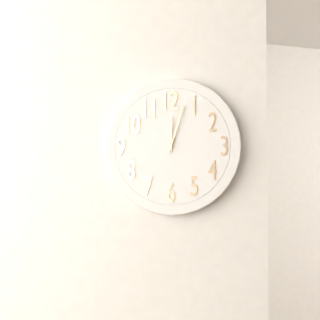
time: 12:03
